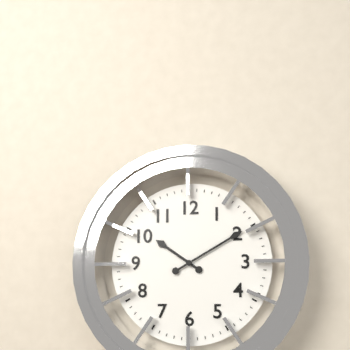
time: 10:10
